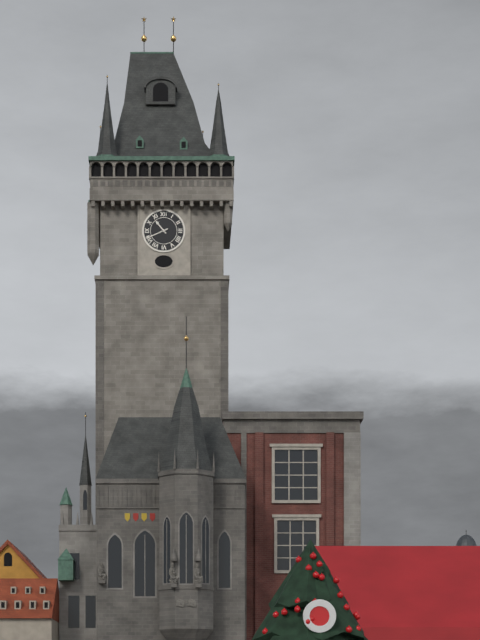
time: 10:41
